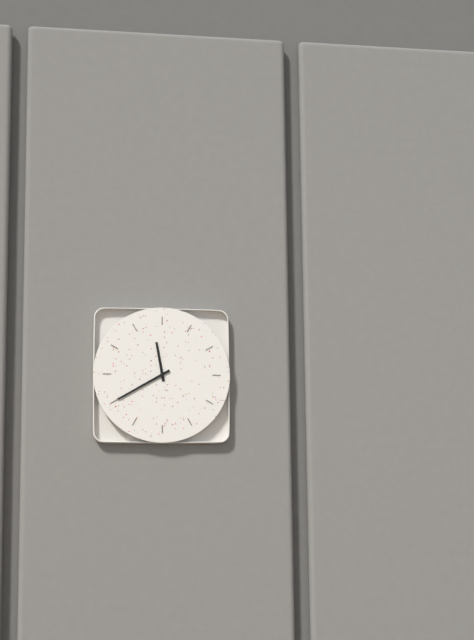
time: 11:40
